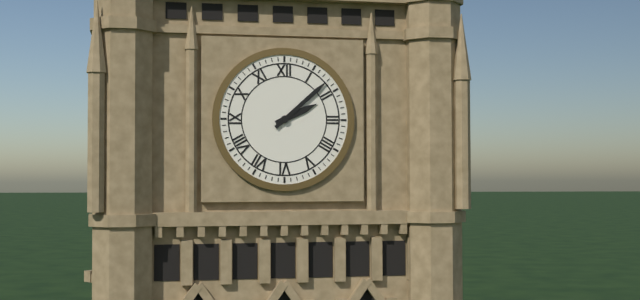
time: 2:08
